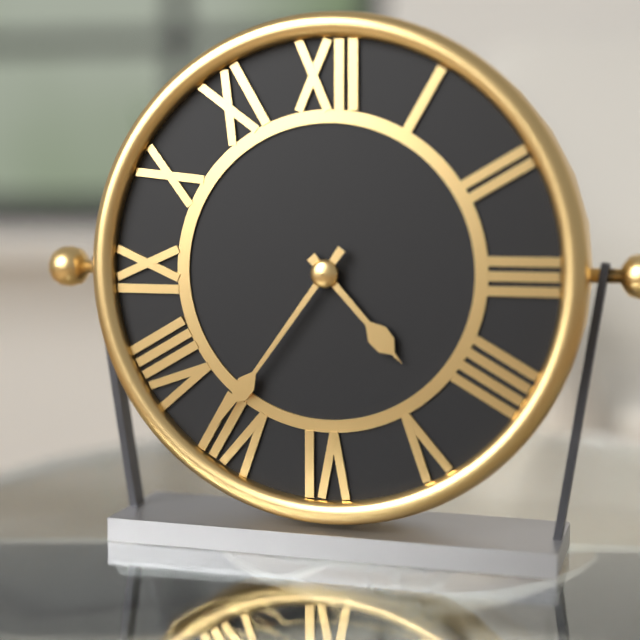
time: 4:36
